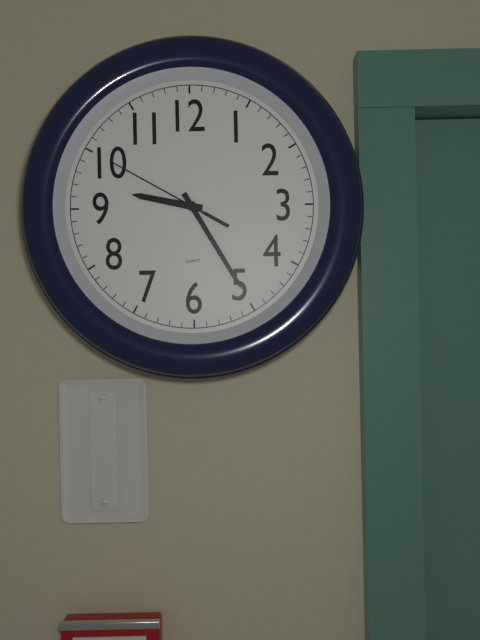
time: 9:25:50
